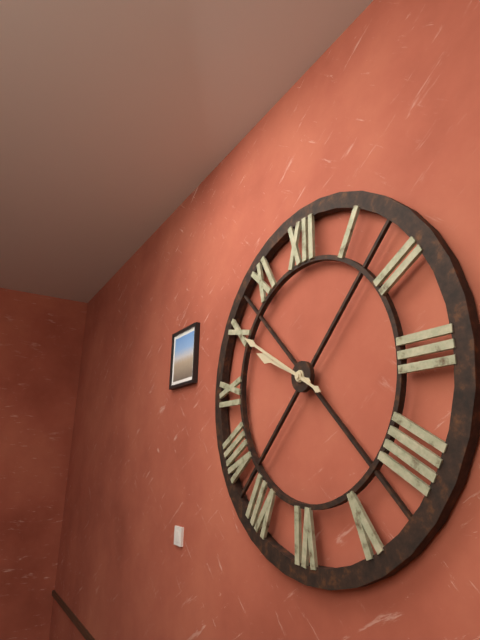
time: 9:50
